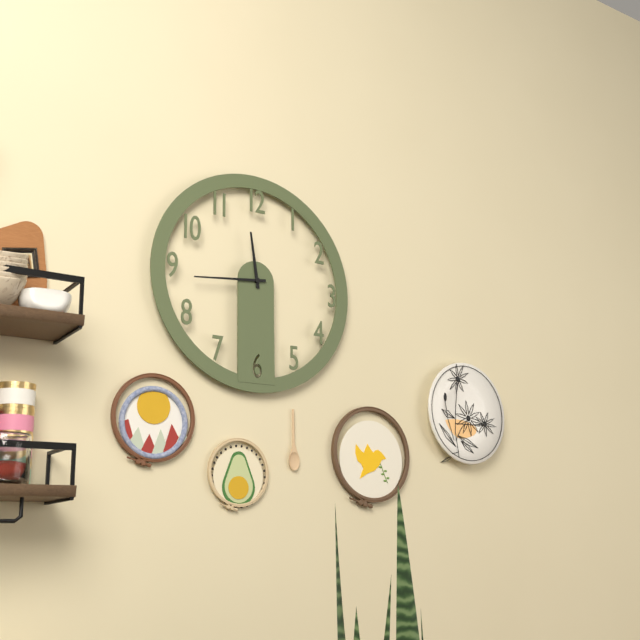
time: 11:44
